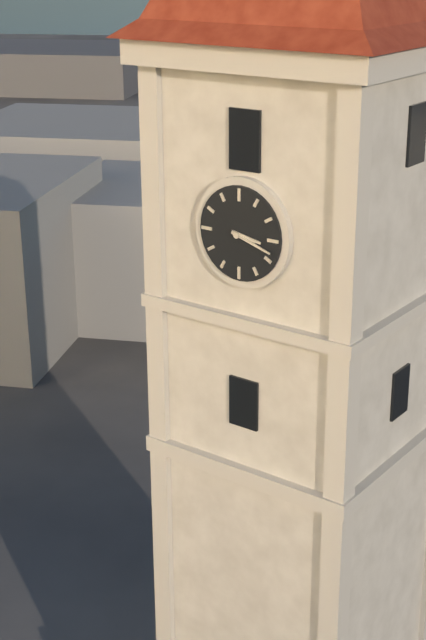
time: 3:18
